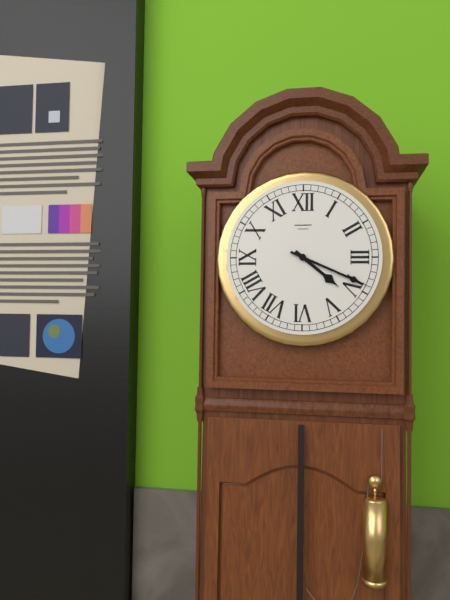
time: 4:19
